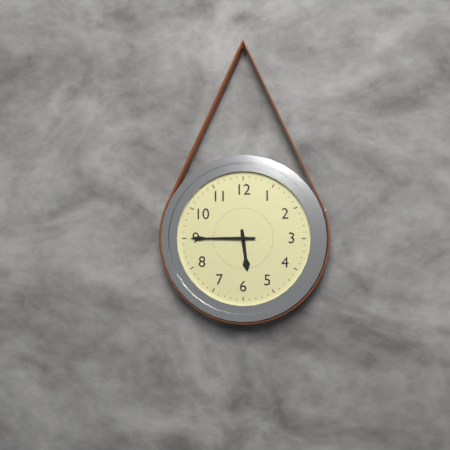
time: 5:45
